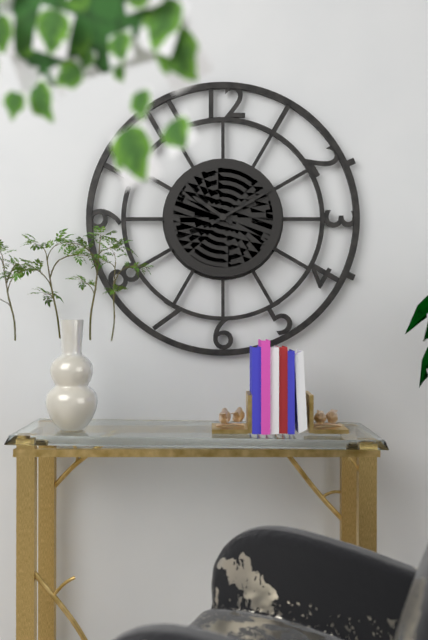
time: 10:10
